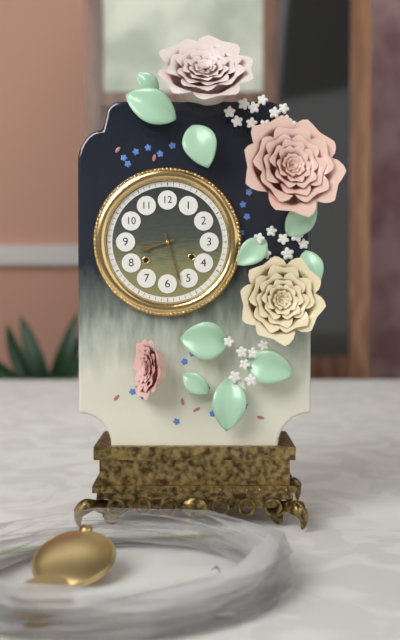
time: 8:27
